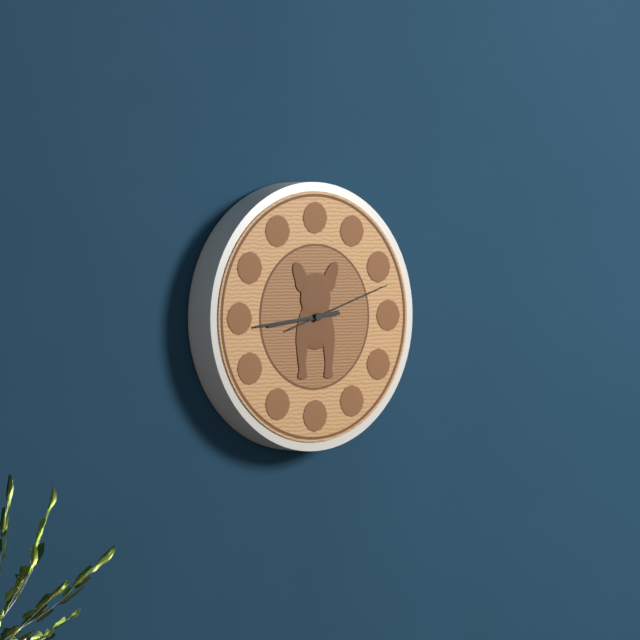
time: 8:44:12
